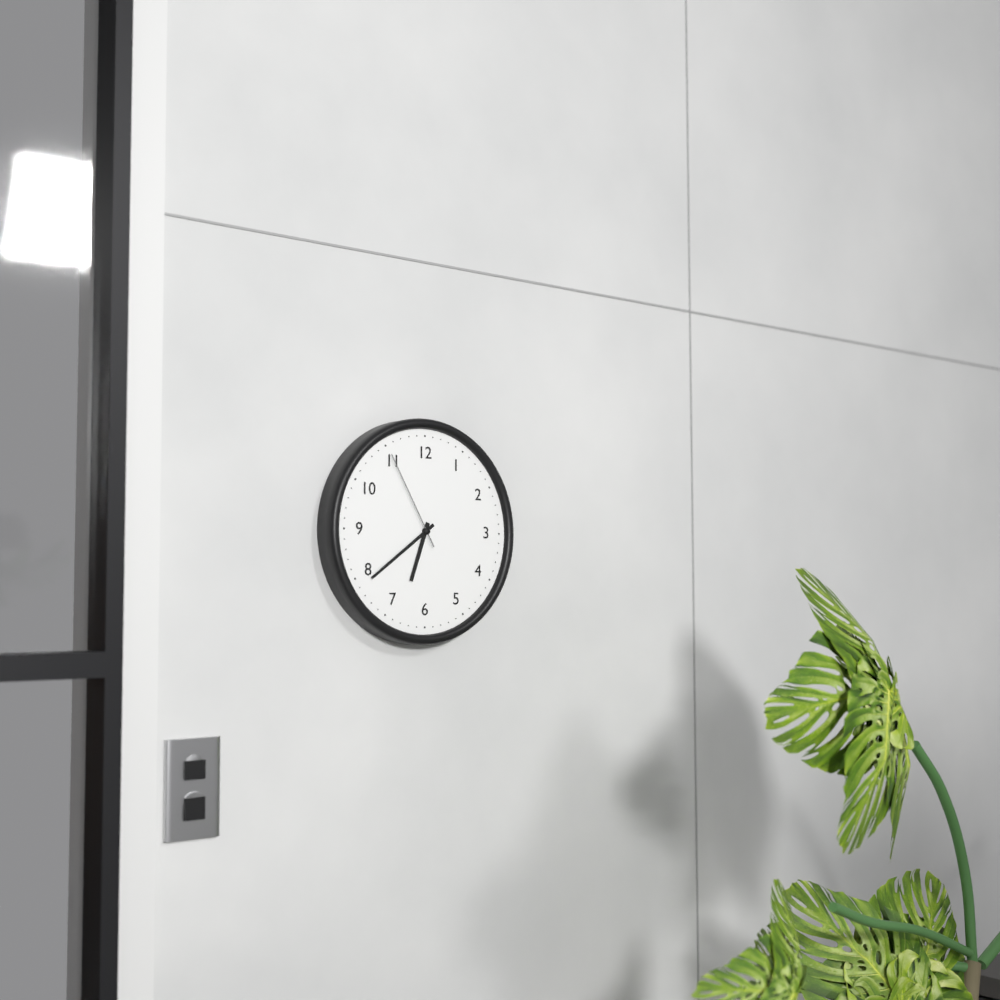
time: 6:39:55
